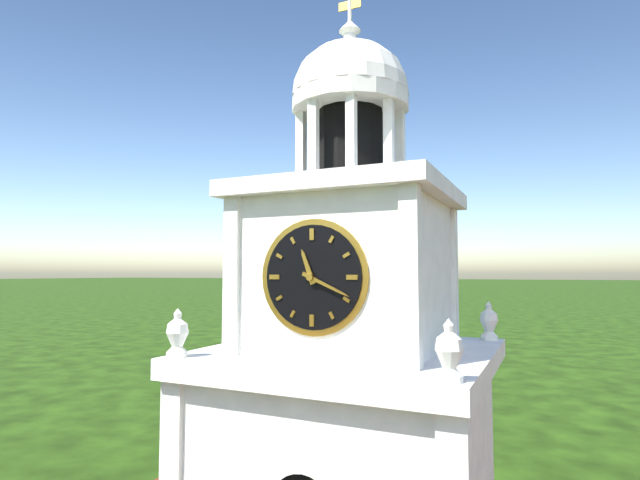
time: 11:19
